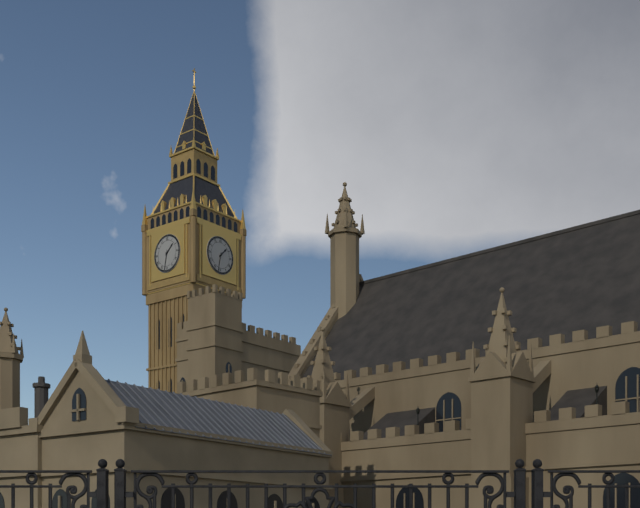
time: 1:32
